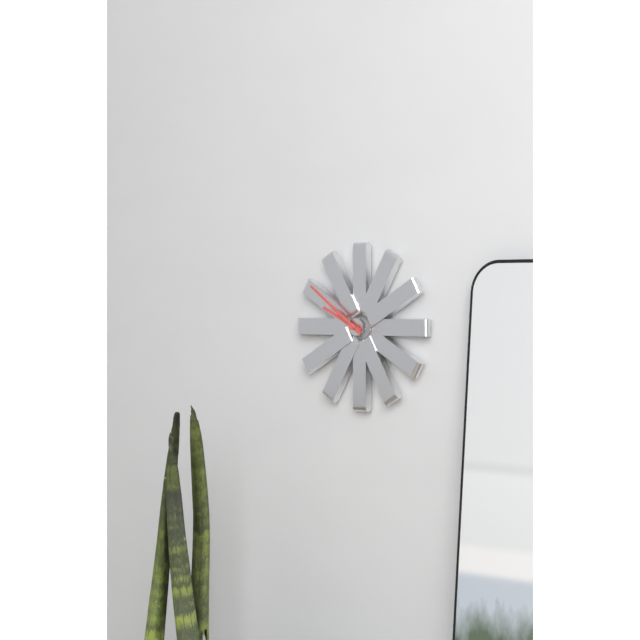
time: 9:51
